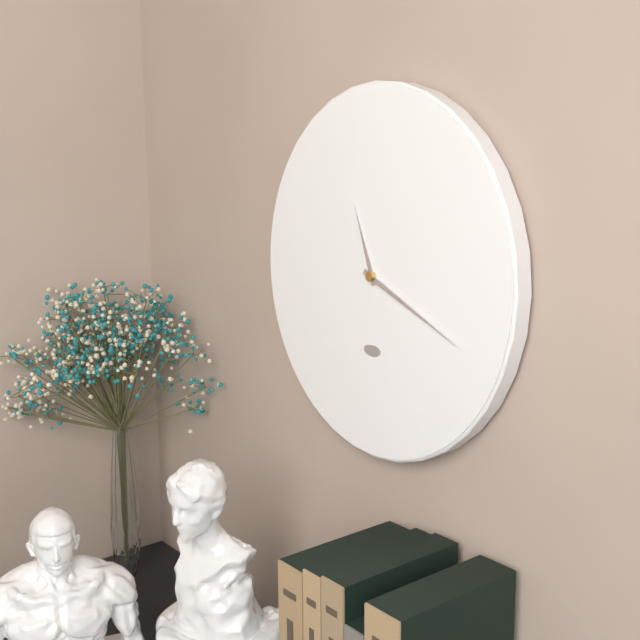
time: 11:19
